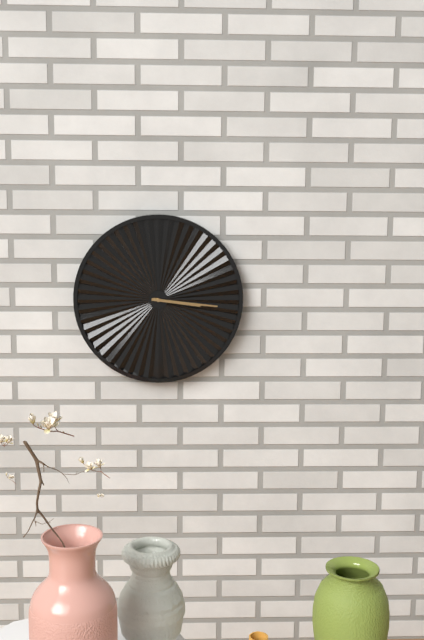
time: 3:16
